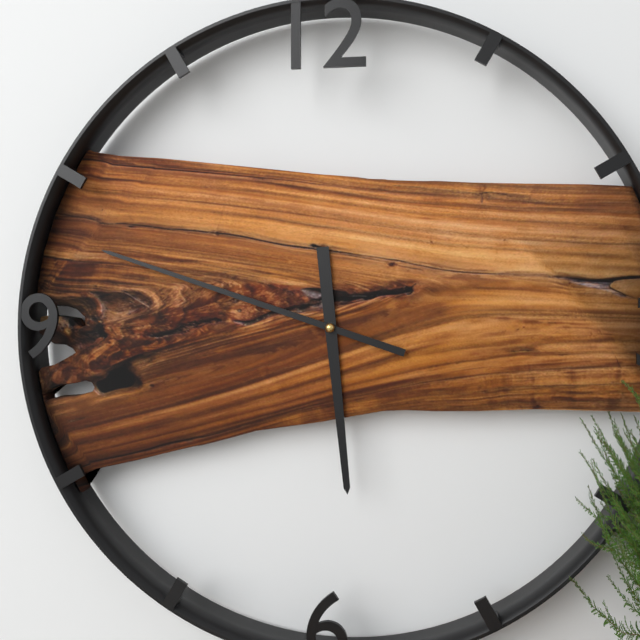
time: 5:48
